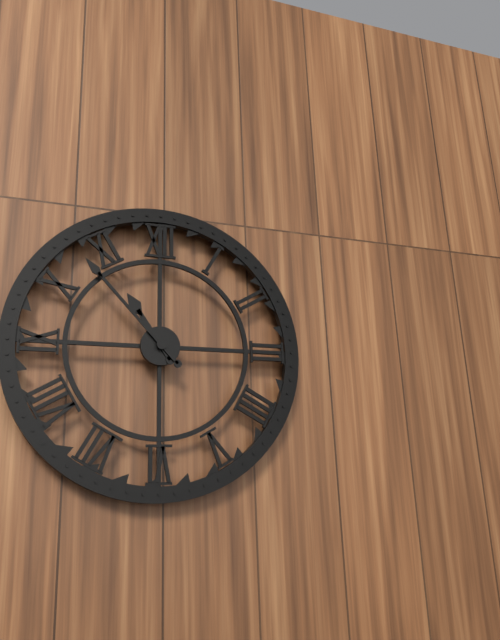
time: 10:53
